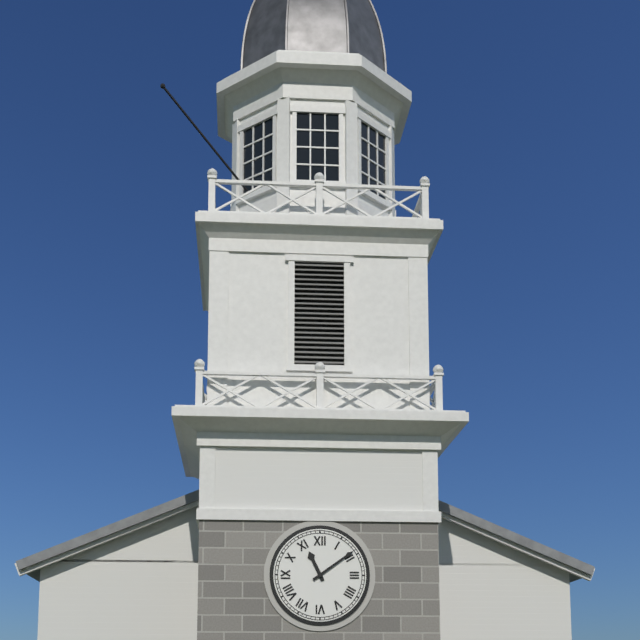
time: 11:09
